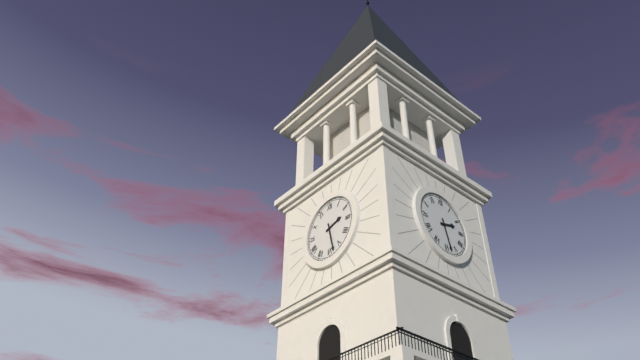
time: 2:28
